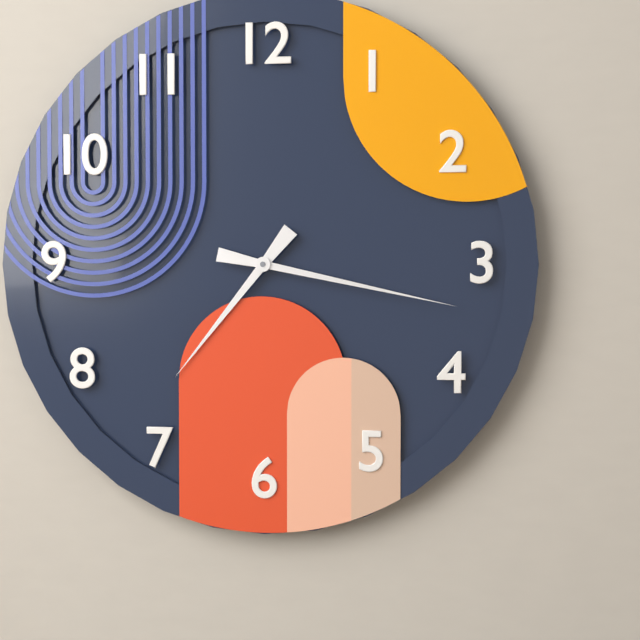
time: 7:17
